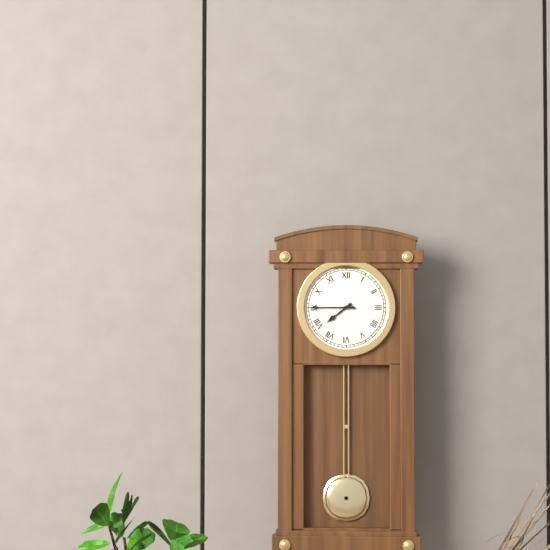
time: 7:45
